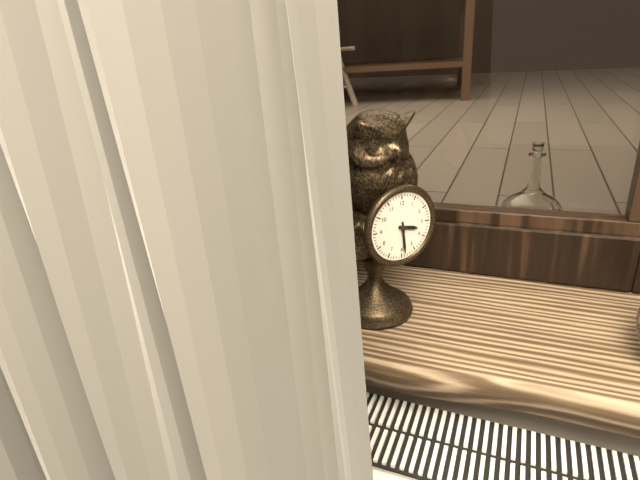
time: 3:29
